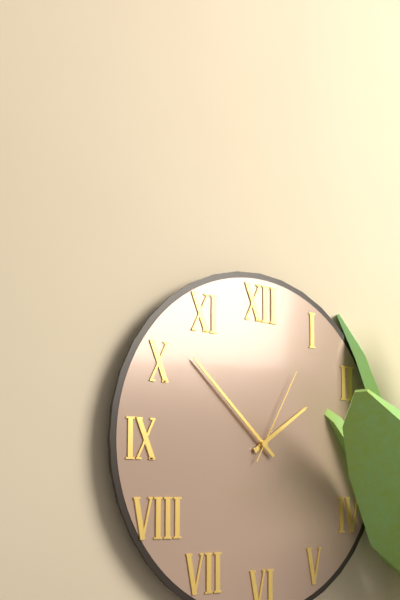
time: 1:52:05
